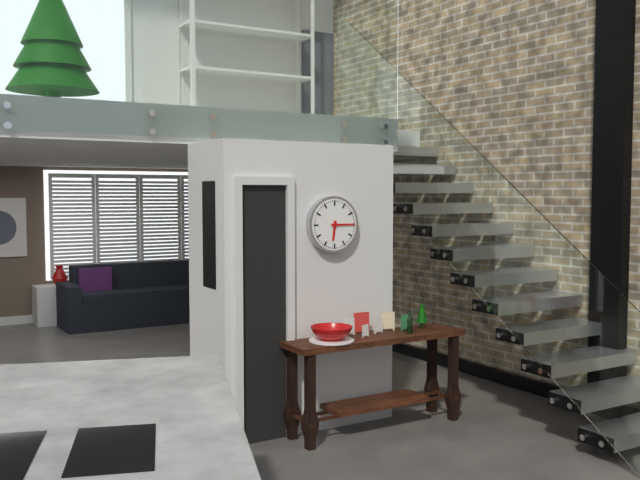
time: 6:15
